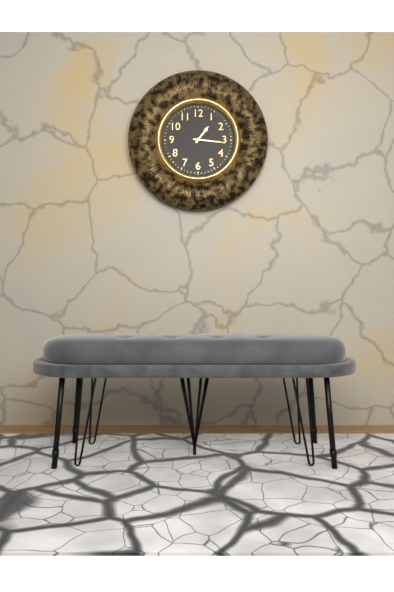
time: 1:16
